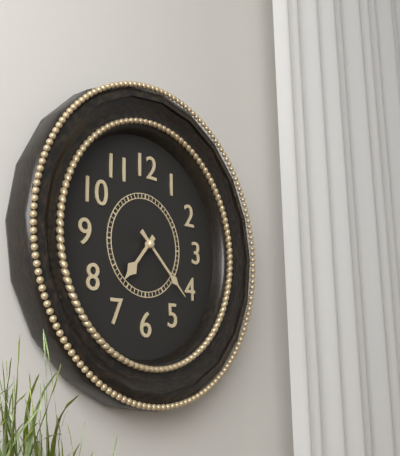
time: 7:22
